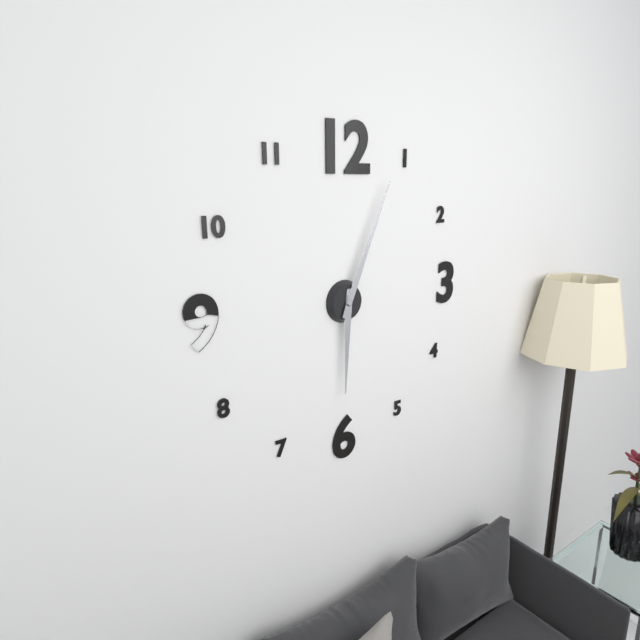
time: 6:04
